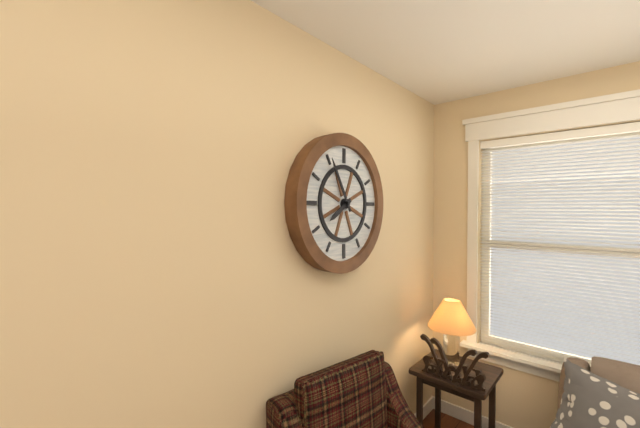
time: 7:55
